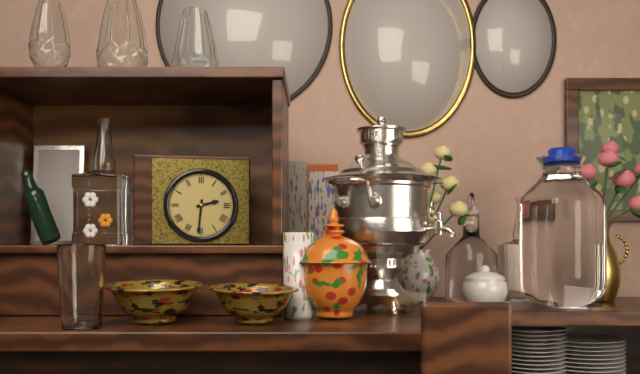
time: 2:31
